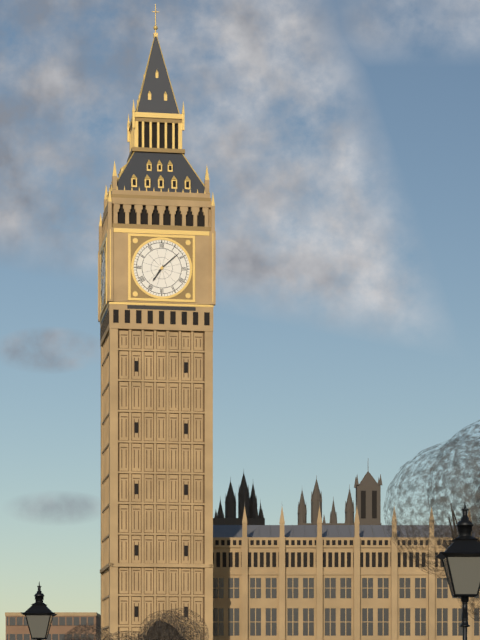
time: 7:08
